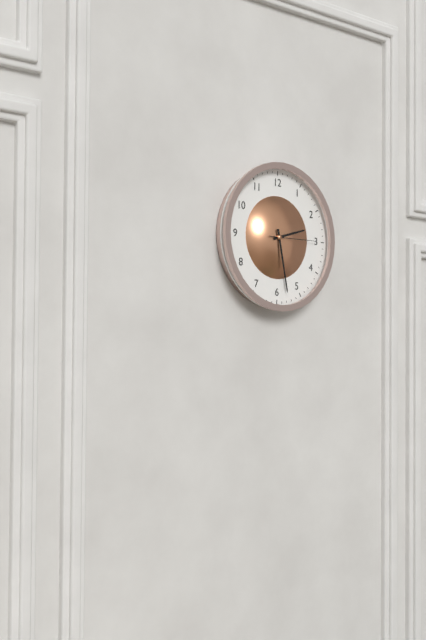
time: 2:28:15
